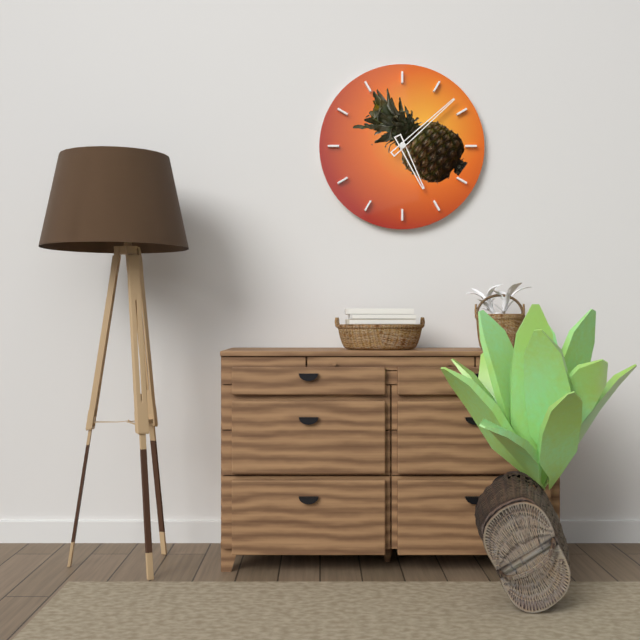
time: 5:08
